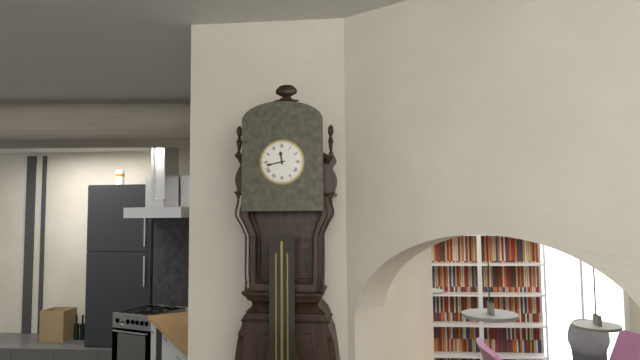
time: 11:43
